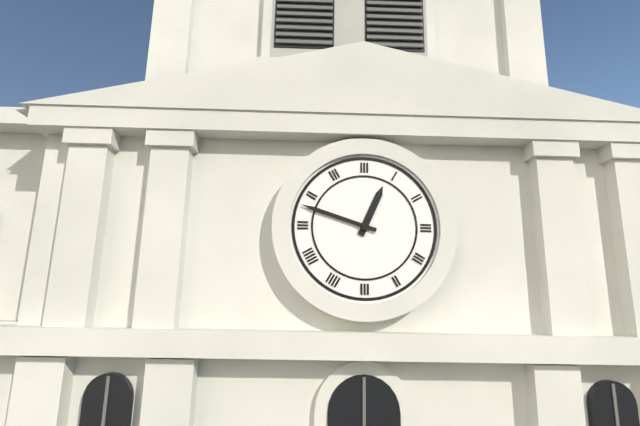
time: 12:48
